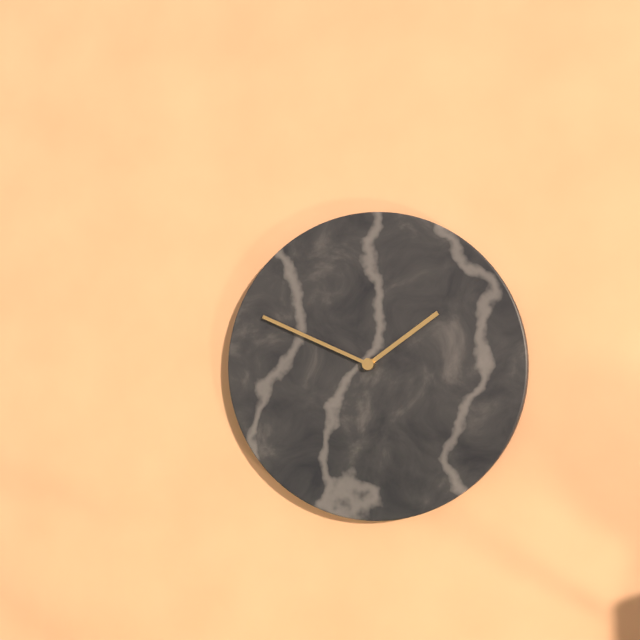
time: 1:49
